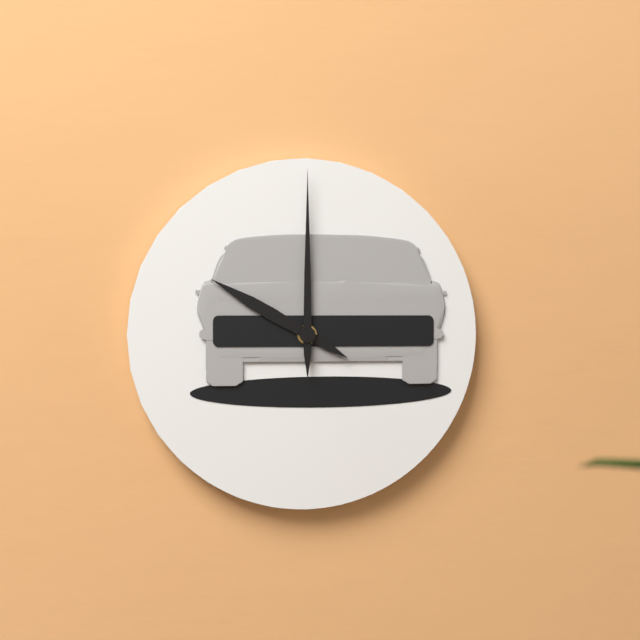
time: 10:00
